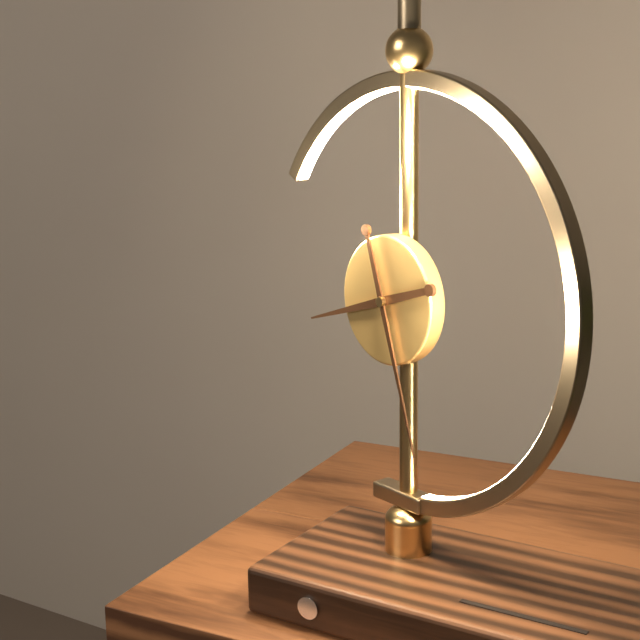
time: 8:27
